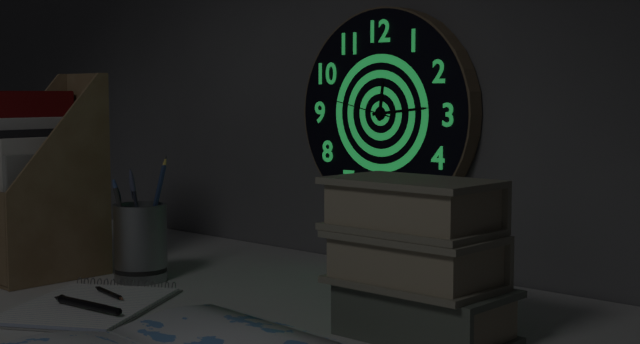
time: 12:14:47
